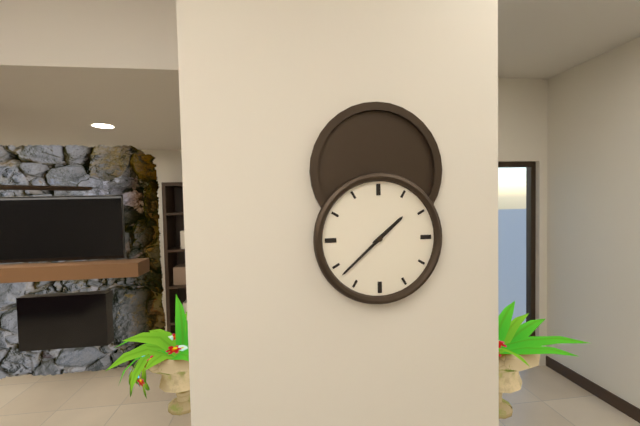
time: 1:38
